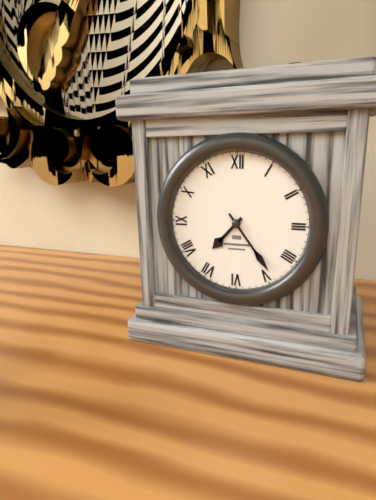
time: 7:24
